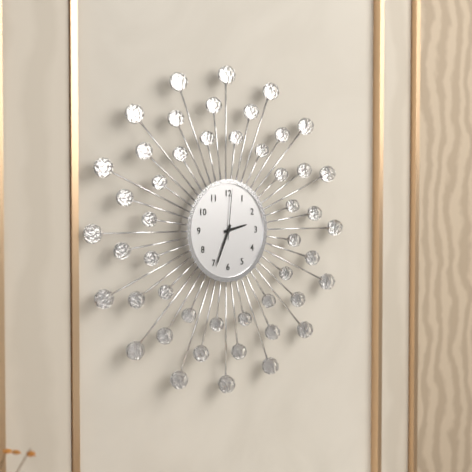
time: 2:34:01
